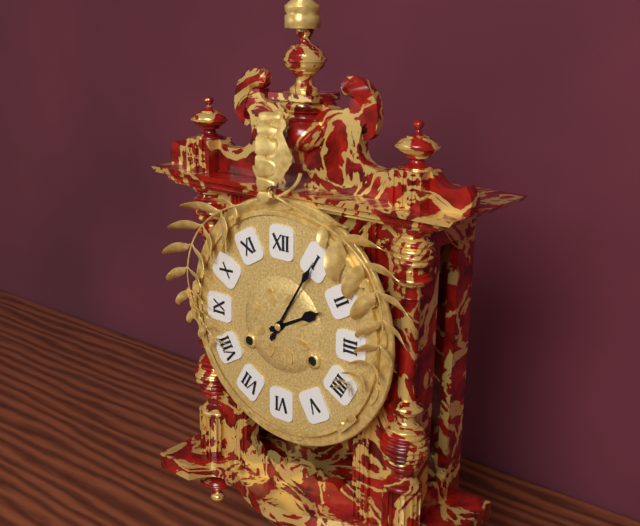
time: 2:05
